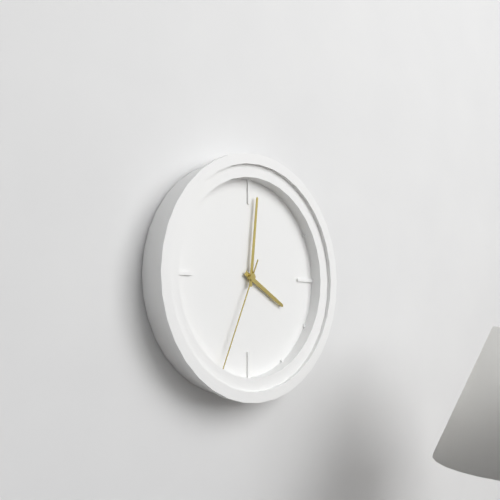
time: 4:01:34
